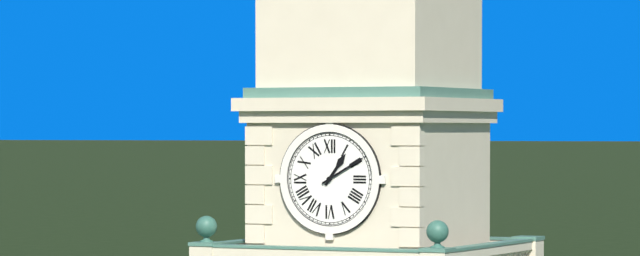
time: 1:10
